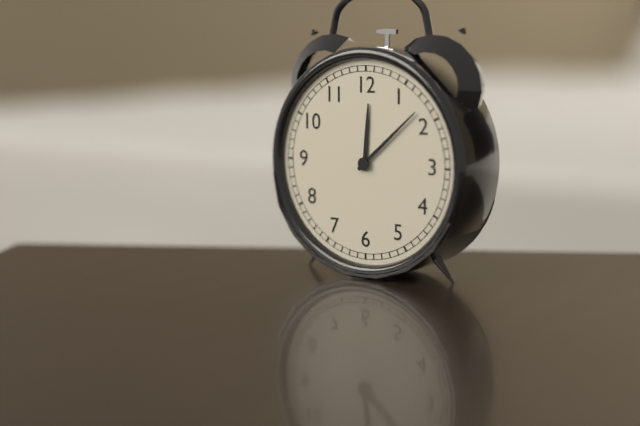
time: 12:08
